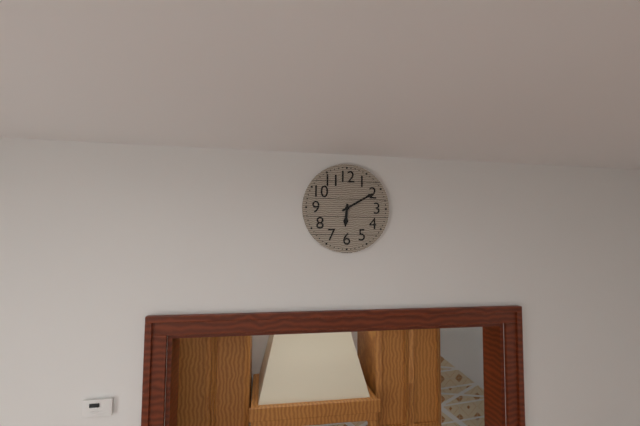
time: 6:10
